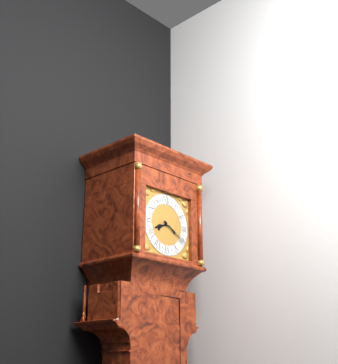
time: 8:20
